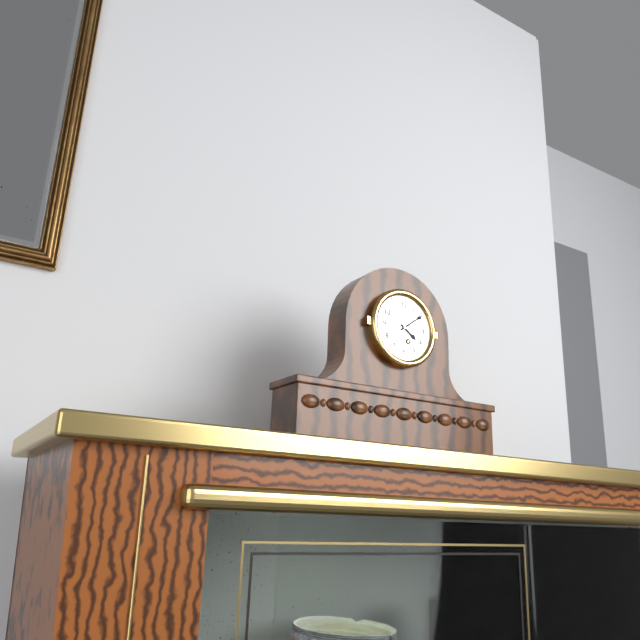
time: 4:09
